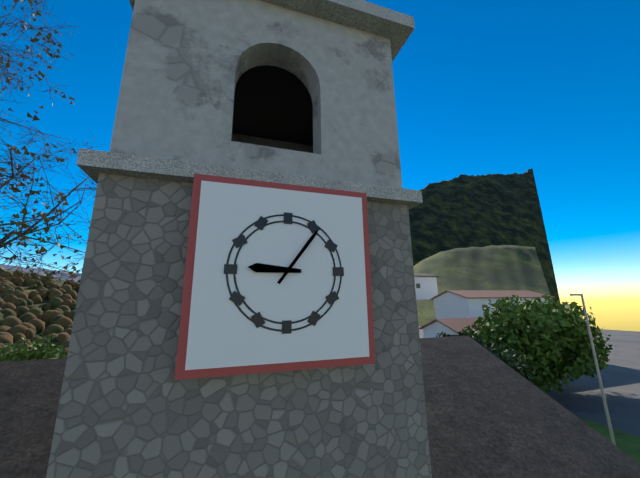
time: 9:06
